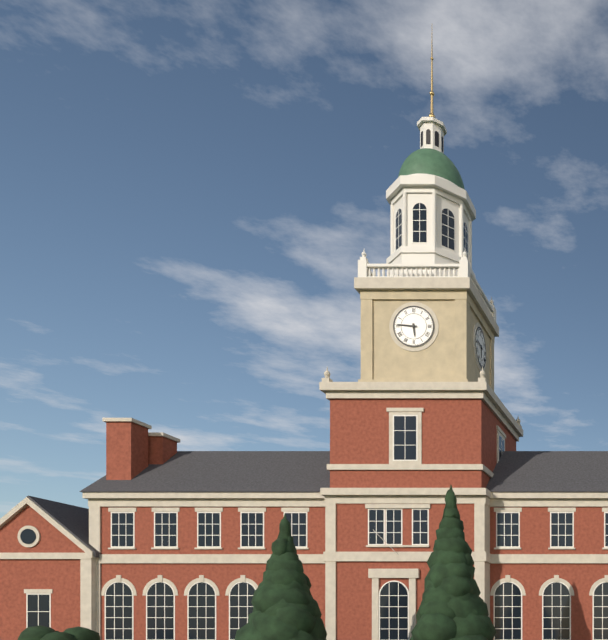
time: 5:46
